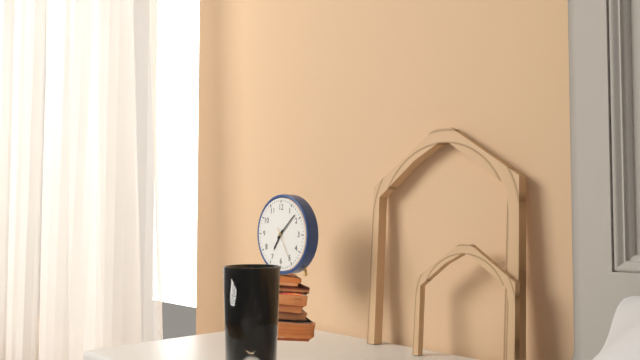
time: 7:08
